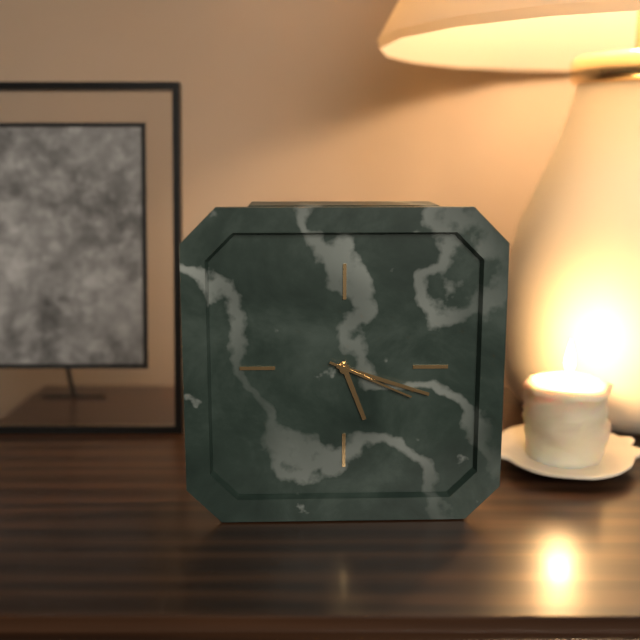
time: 5:18:19
